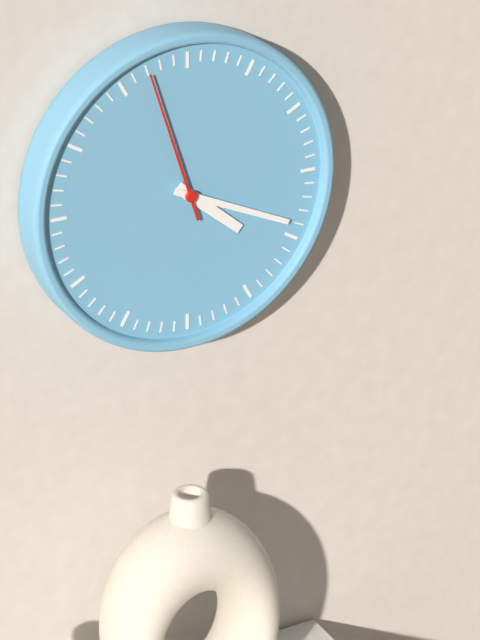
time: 4:19:57
